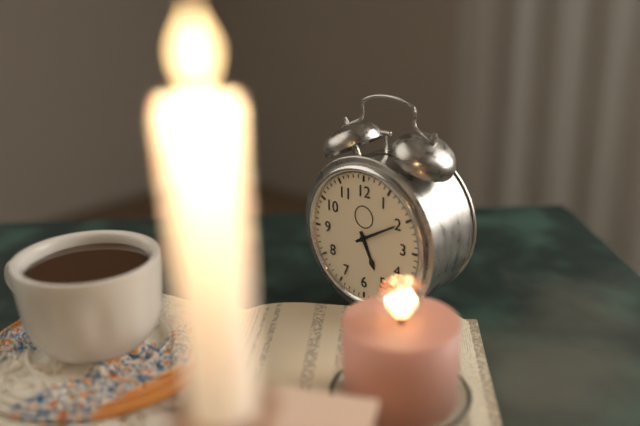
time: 5:10
